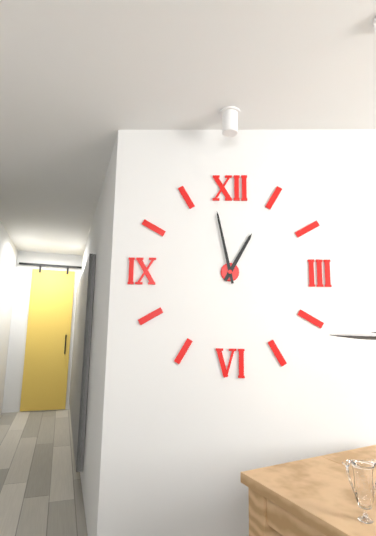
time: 12:58
